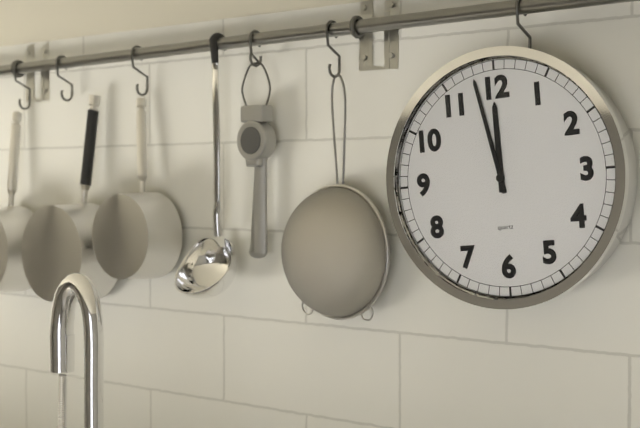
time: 11:58
